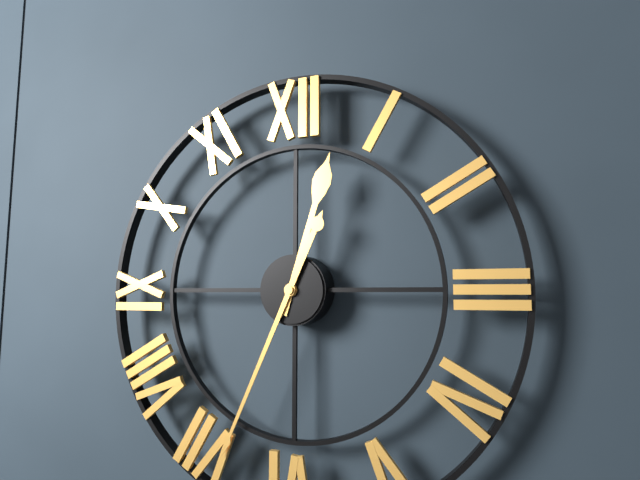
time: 12:34
